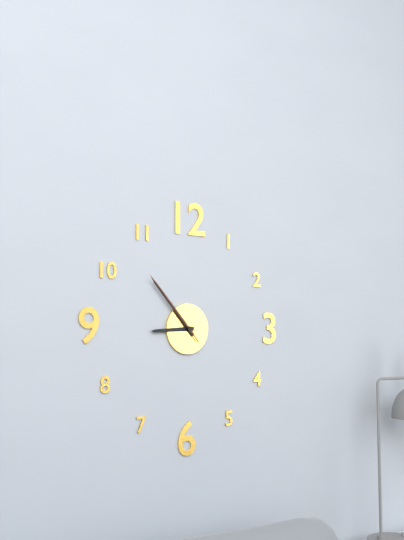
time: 8:53:53
